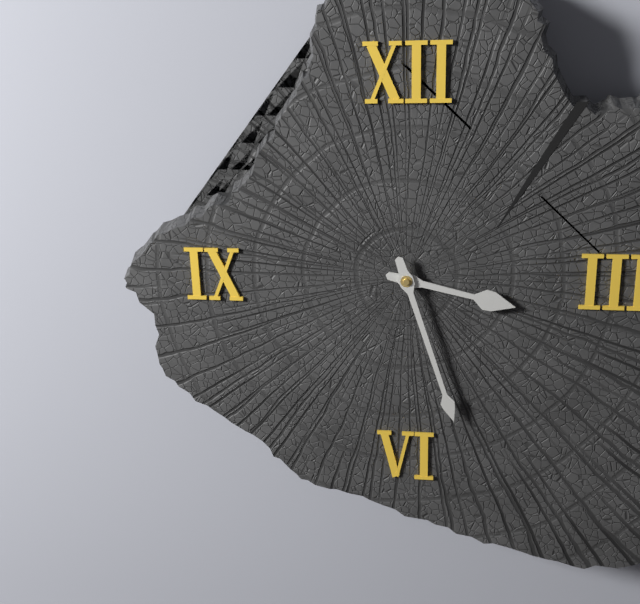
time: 3:27
